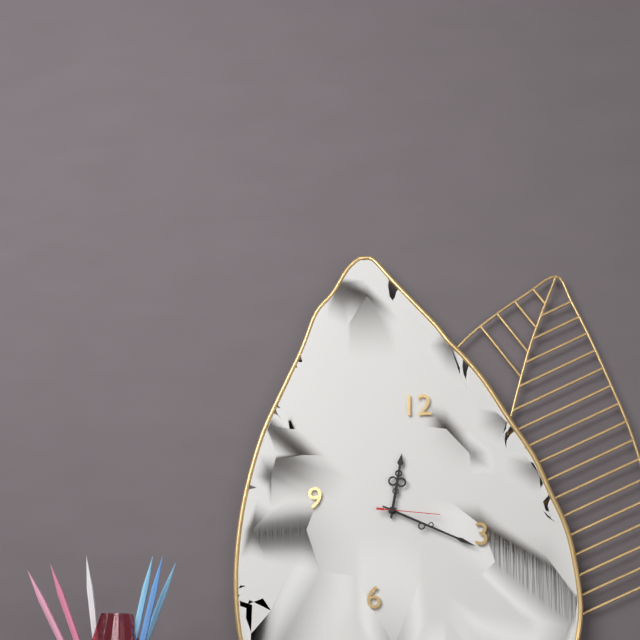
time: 12:19:16
